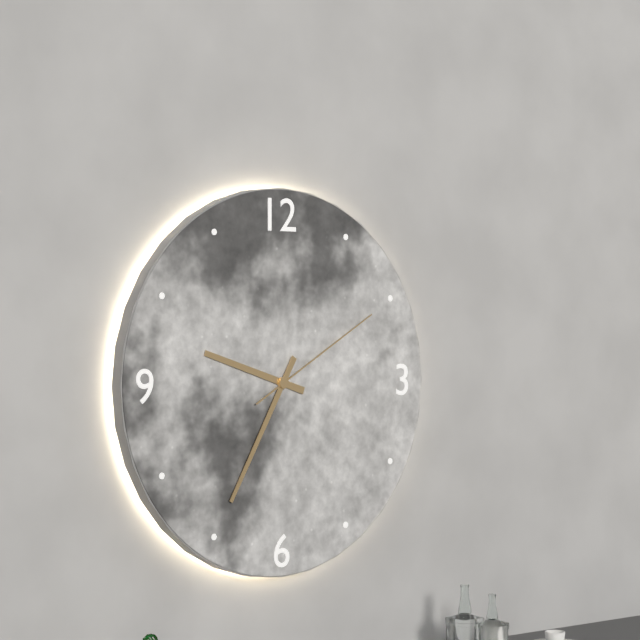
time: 9:35:10
